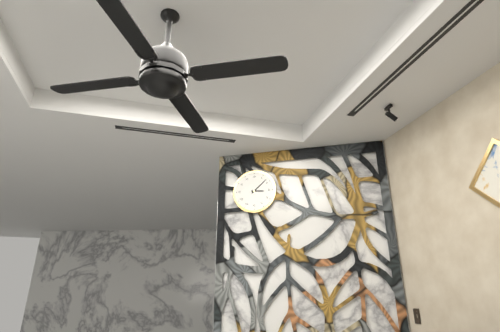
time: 3:08
